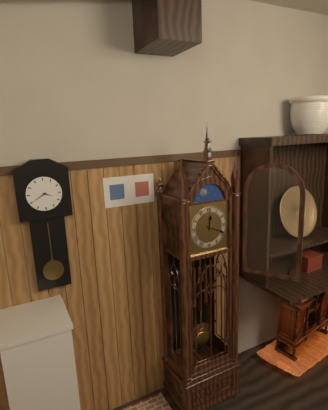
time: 12:19
